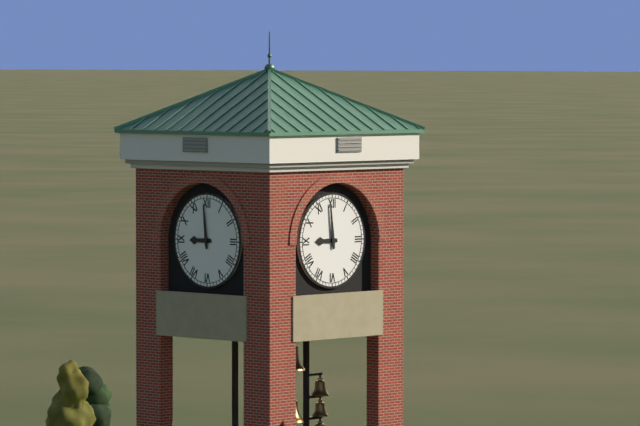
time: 8:59
